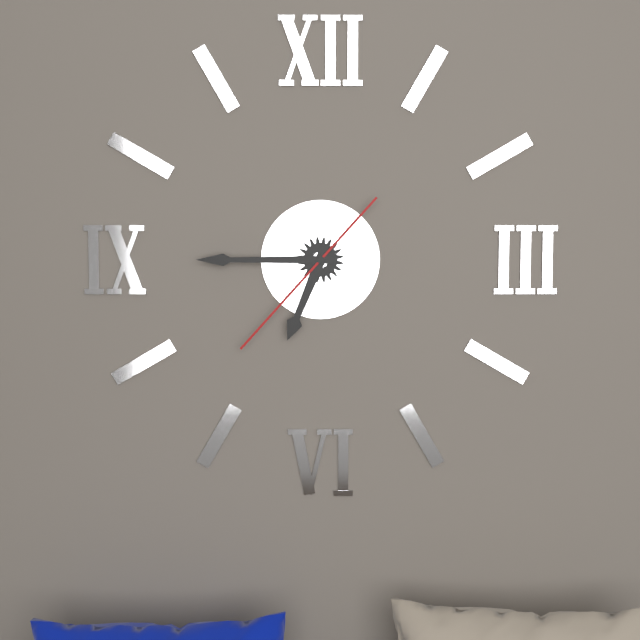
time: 6:45:37
